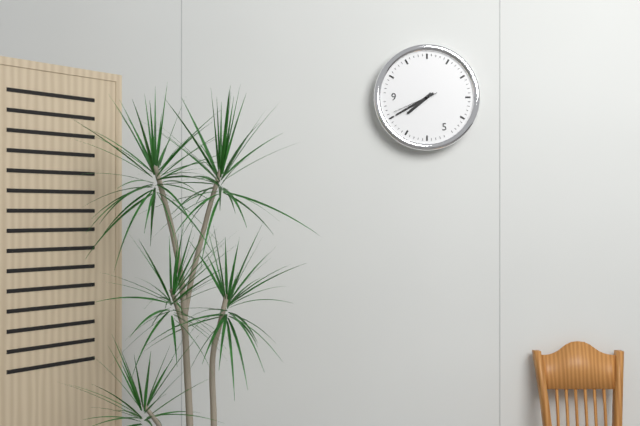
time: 7:40
